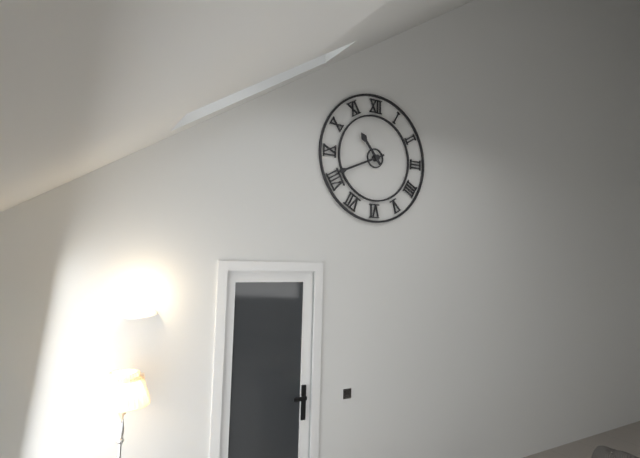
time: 10:41
